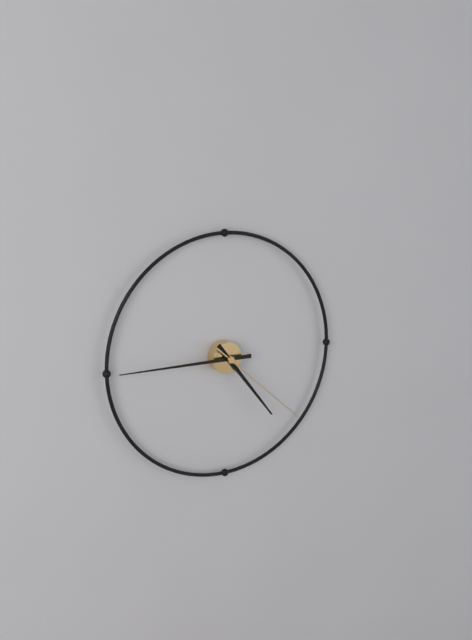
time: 4:45:22
